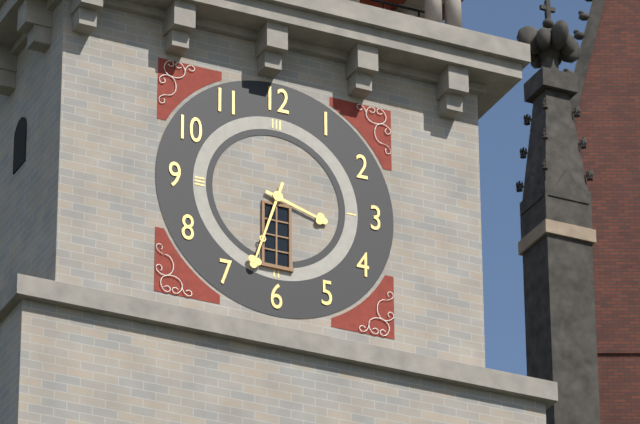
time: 3:33
